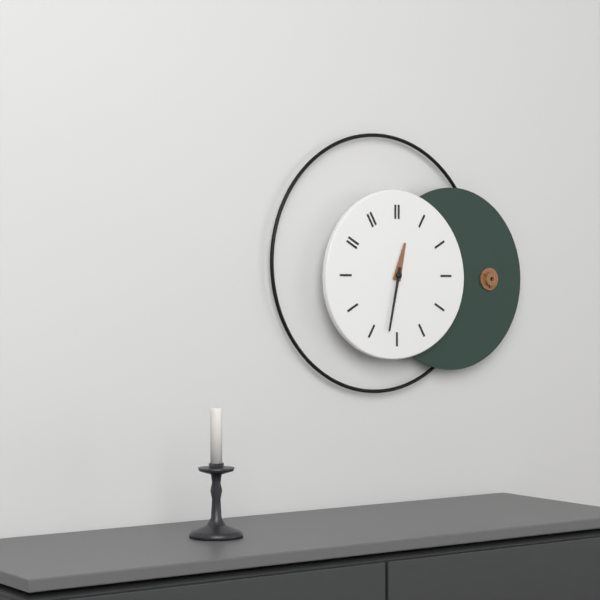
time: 12:32
